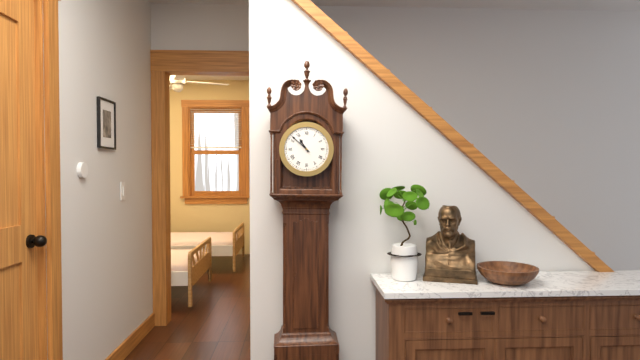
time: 10:52
